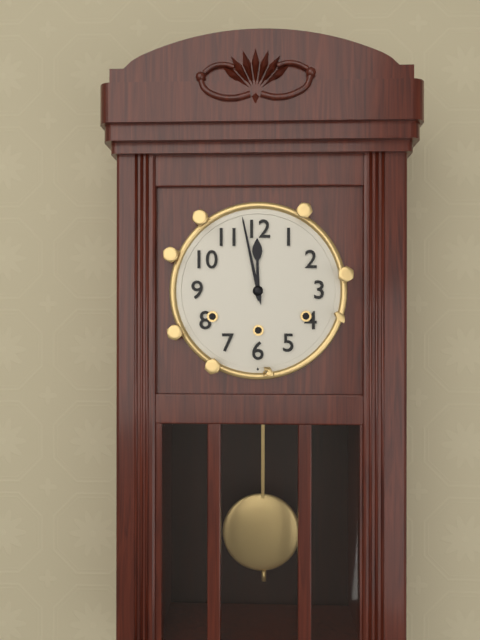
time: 11:58
